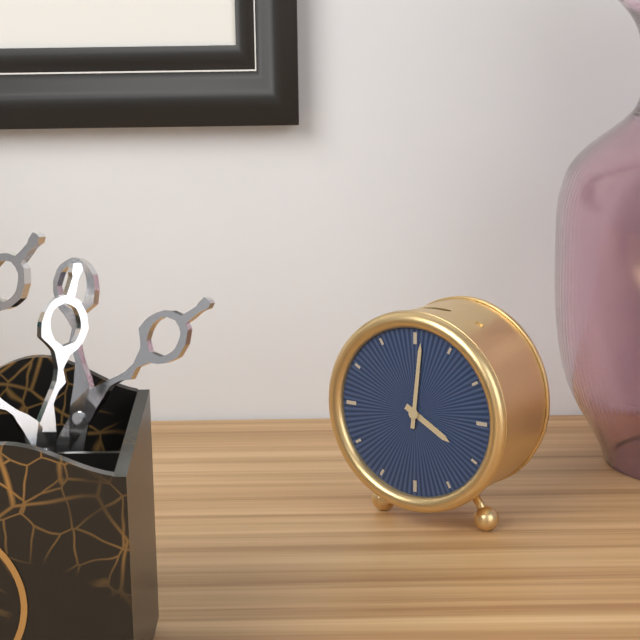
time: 4:01
